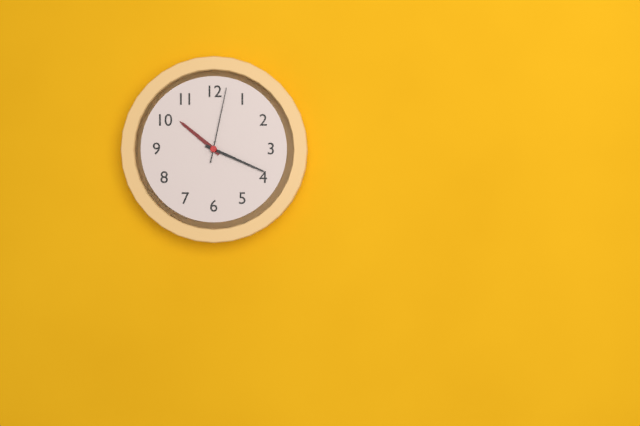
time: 10:19:02
